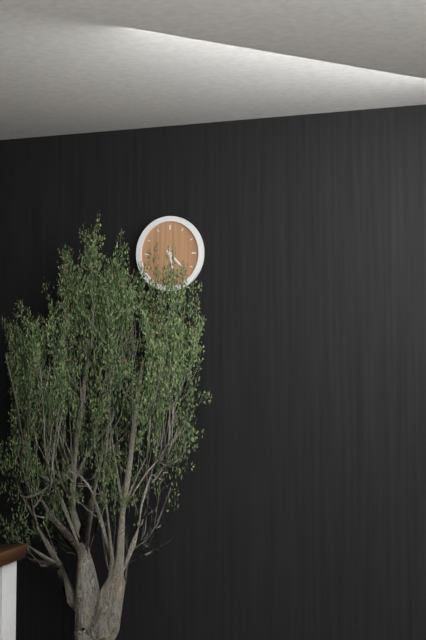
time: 4:28
